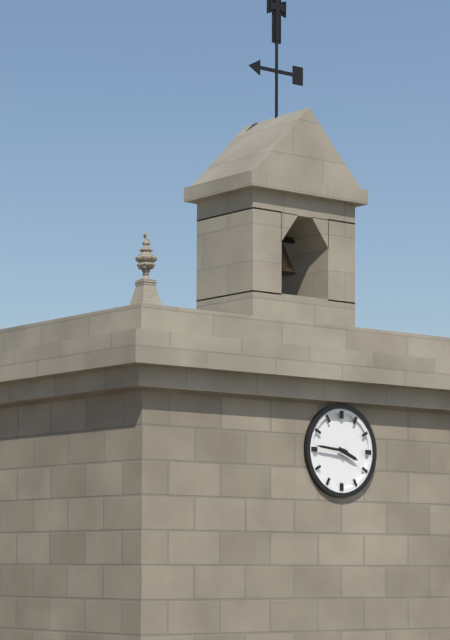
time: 3:46
